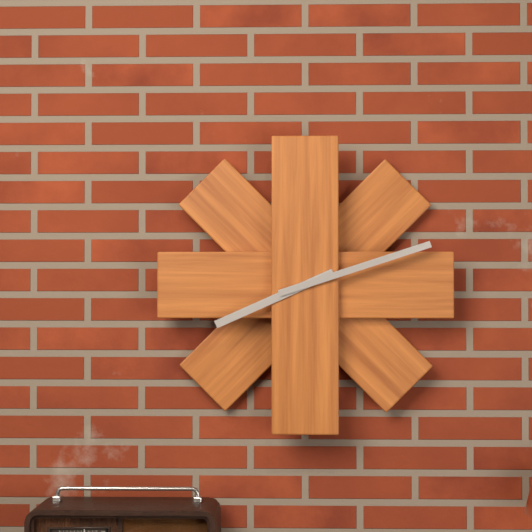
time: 8:12
